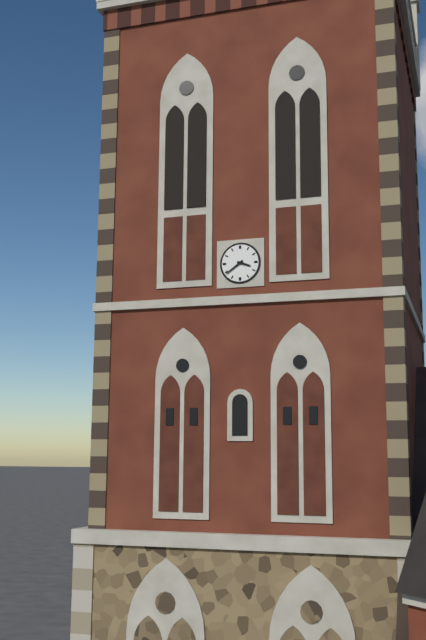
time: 3:39
